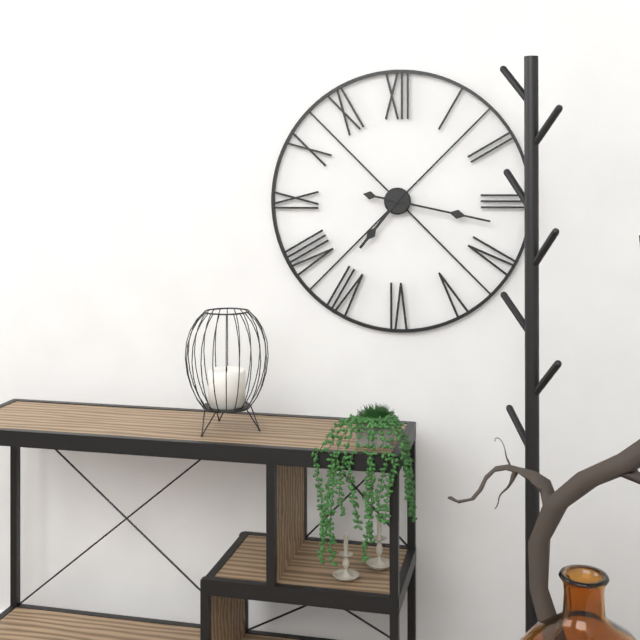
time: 7:17
